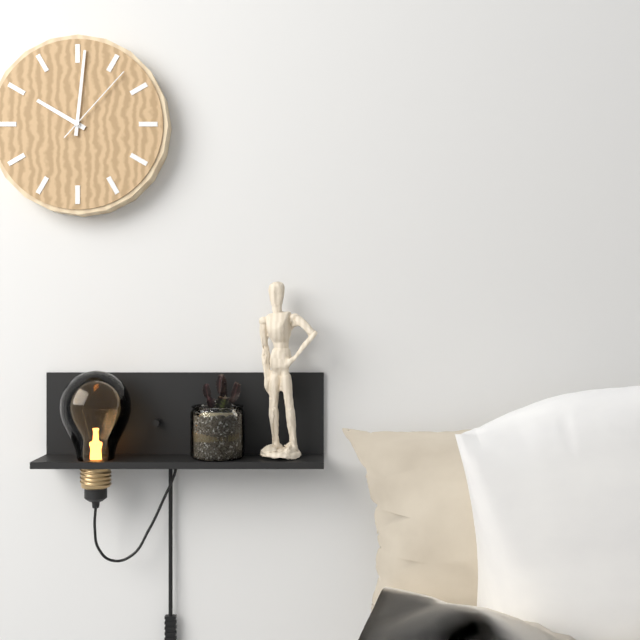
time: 10:01:07
